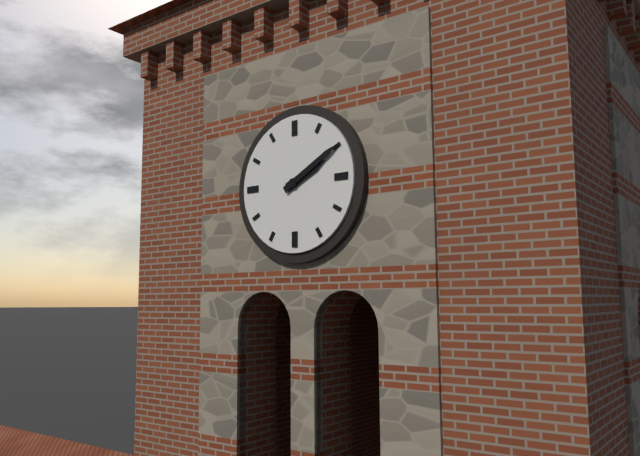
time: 2:10
